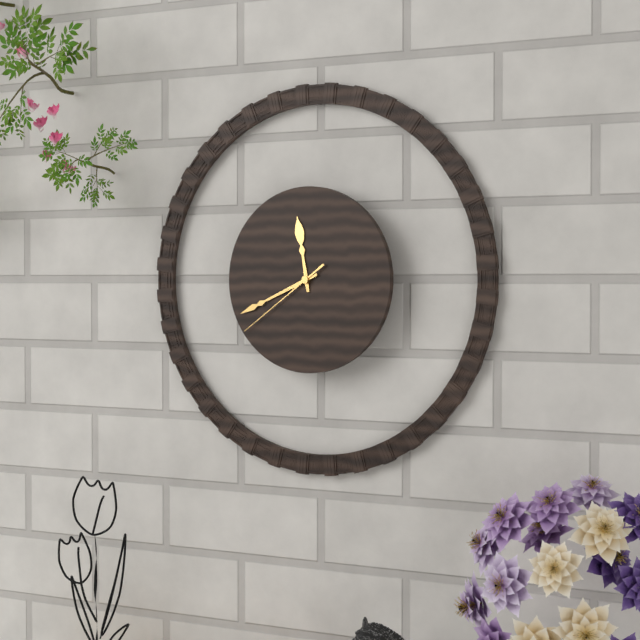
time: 11:41:39
